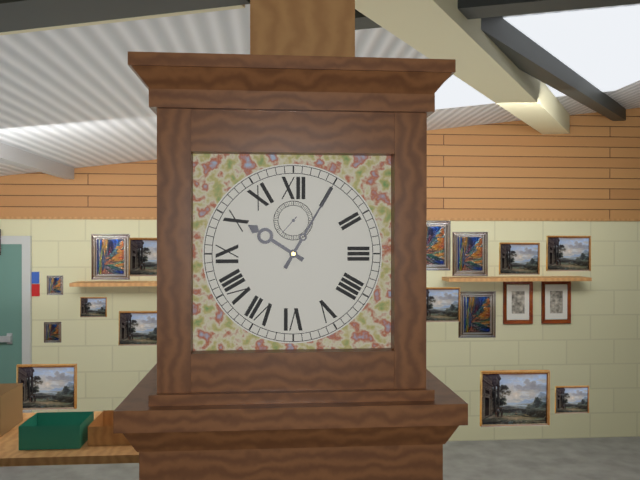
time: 10:05
